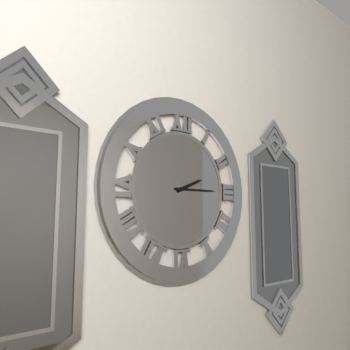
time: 2:15
